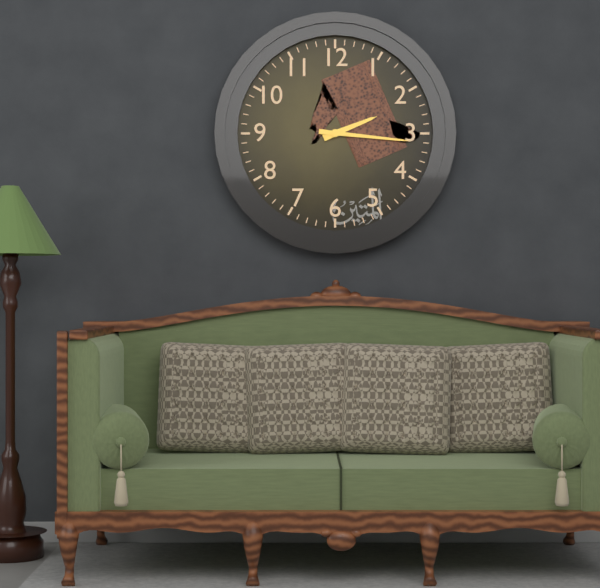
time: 2:16
